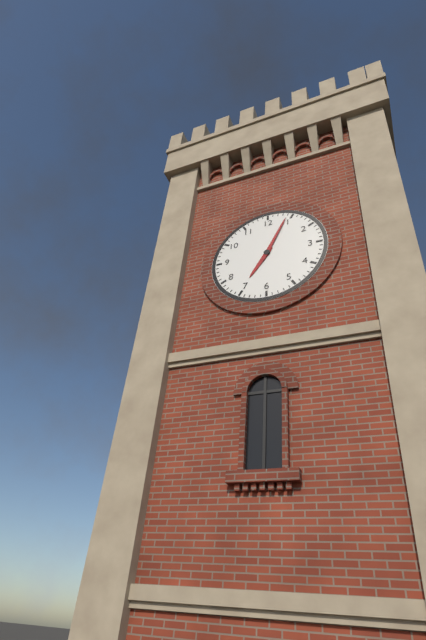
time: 7:04
